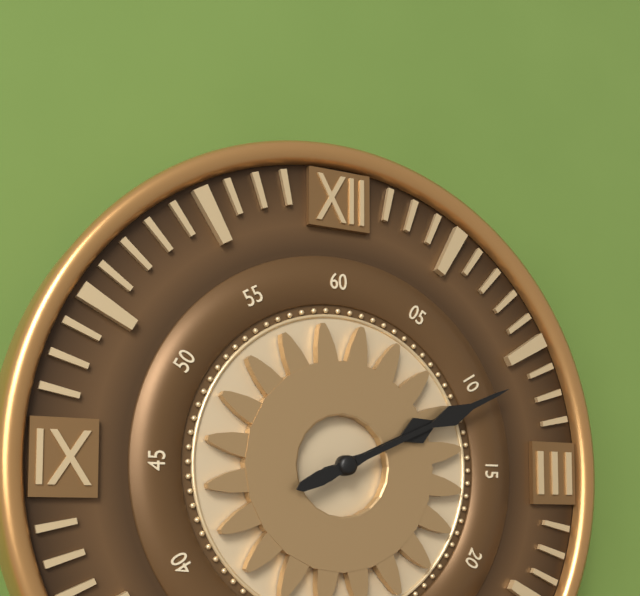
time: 2:11
